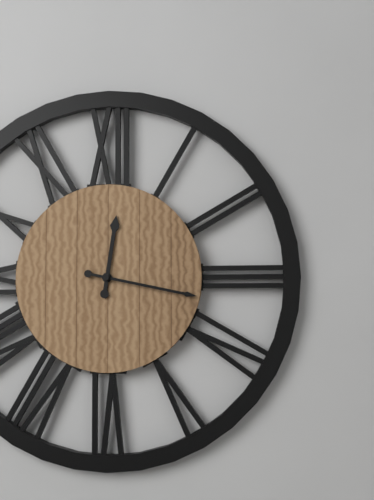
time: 12:17
